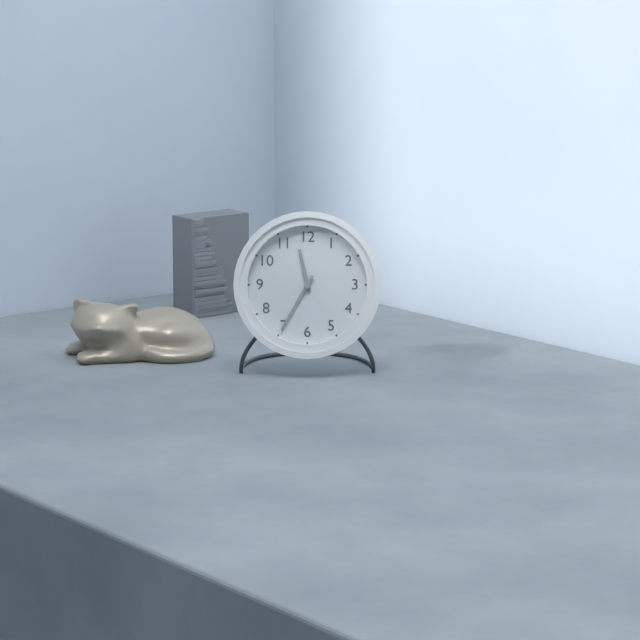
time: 11:35
